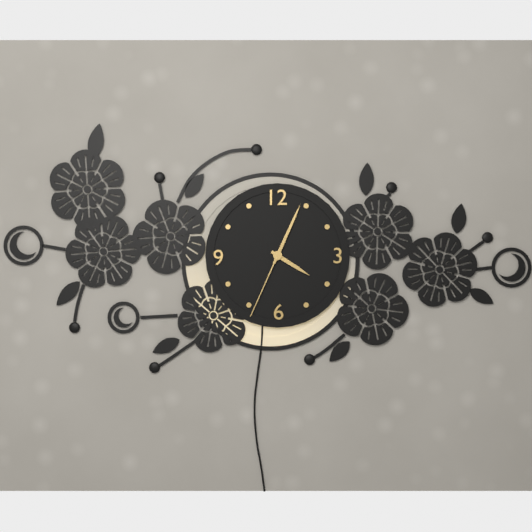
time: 4:04:34
